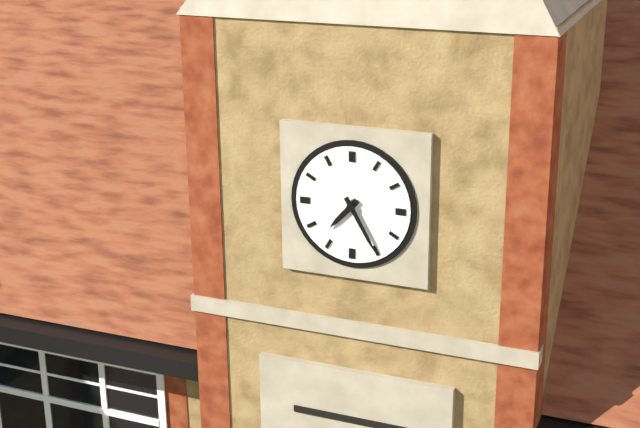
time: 7:25
